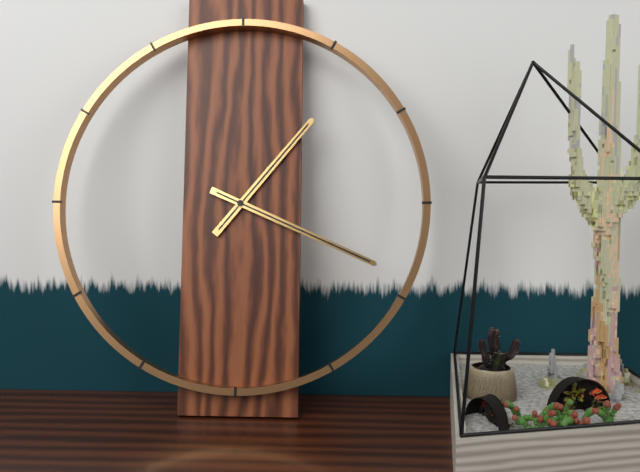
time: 1:19
